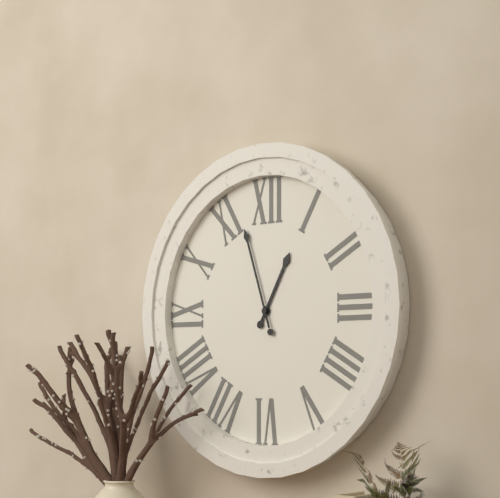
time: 12:57
